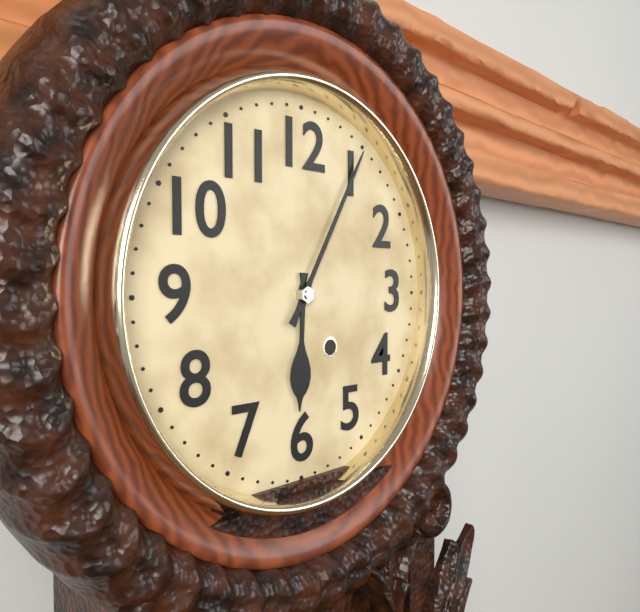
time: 6:05
